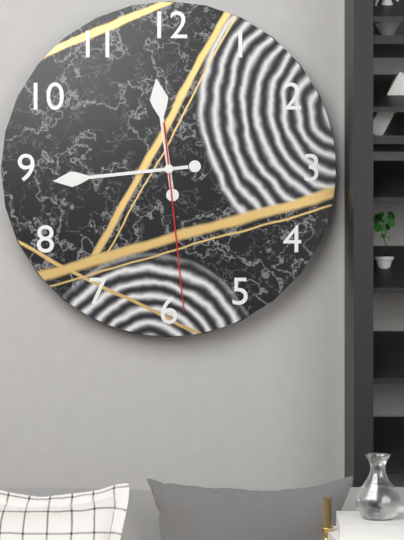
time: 11:44:29
